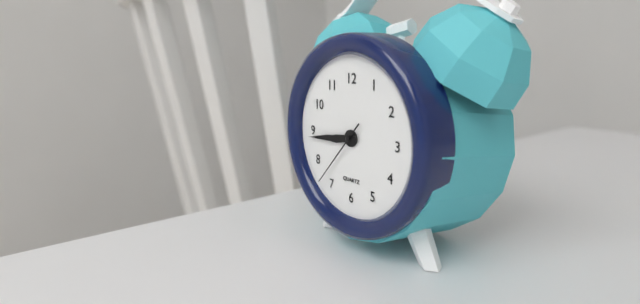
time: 8:44:37
